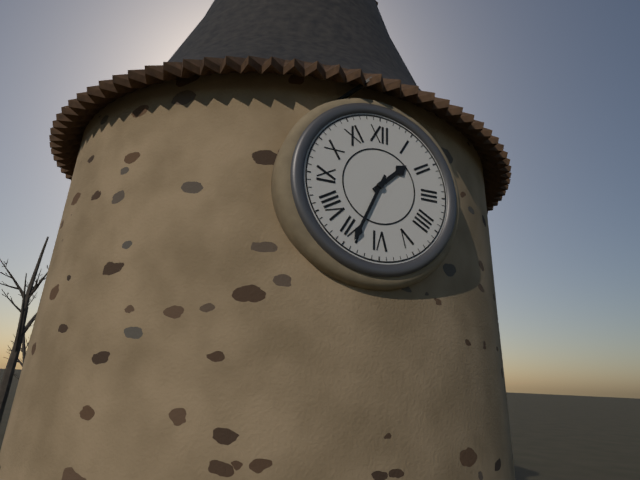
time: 1:34
